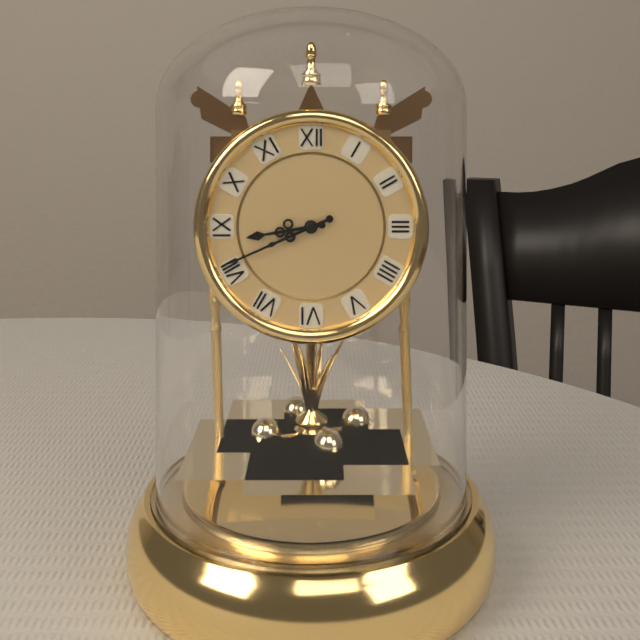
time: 8:41
